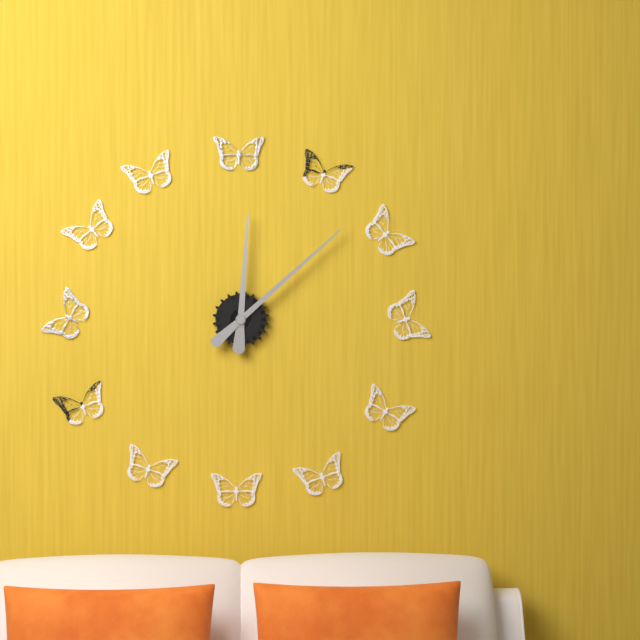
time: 12:08
